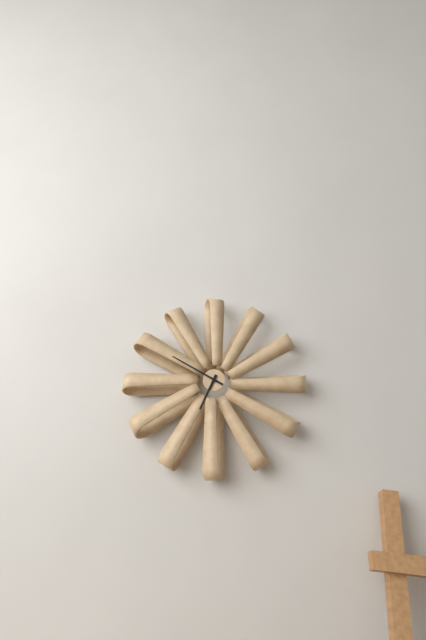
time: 6:50
